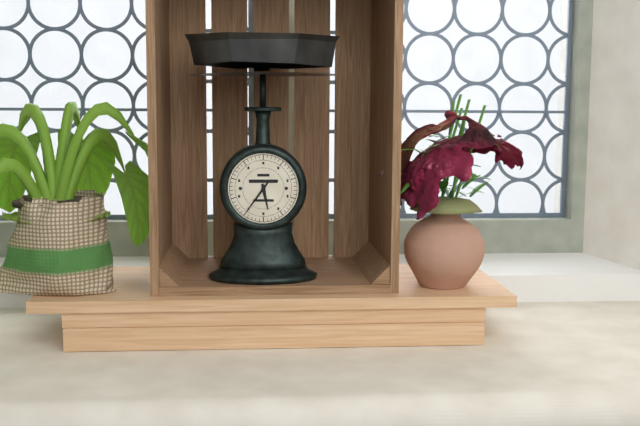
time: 5:36
